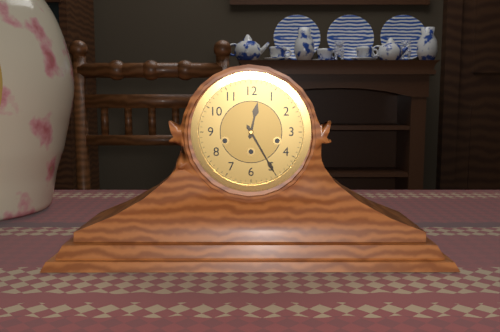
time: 12:25
